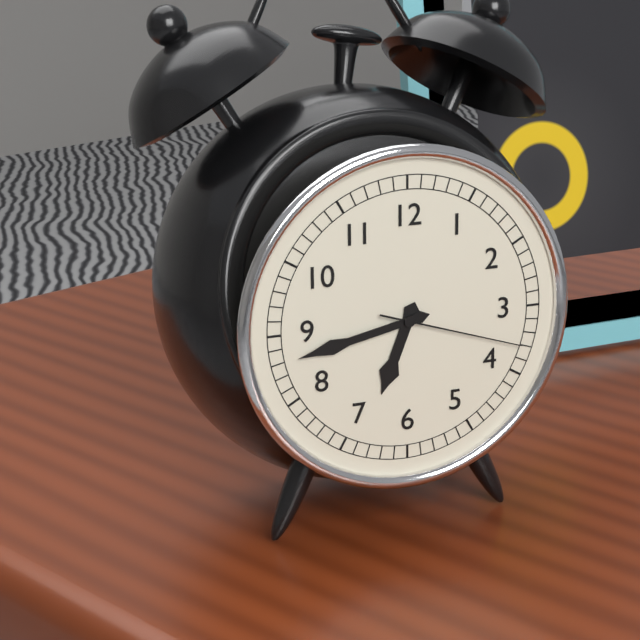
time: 6:43:18
